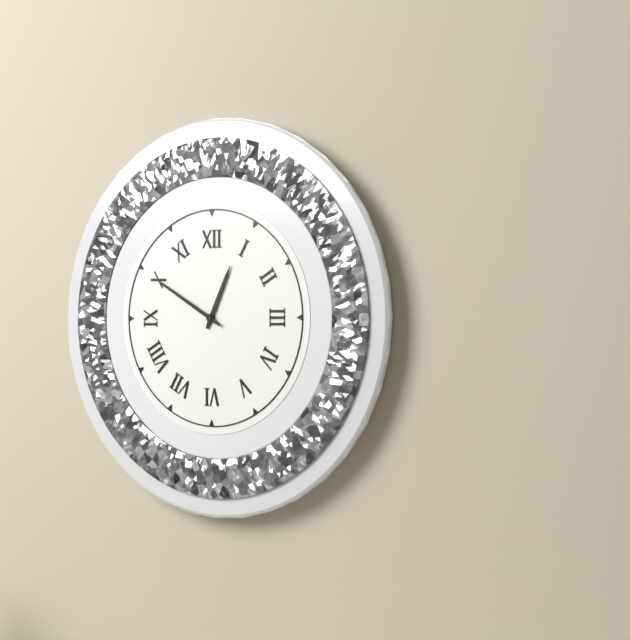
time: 12:50
